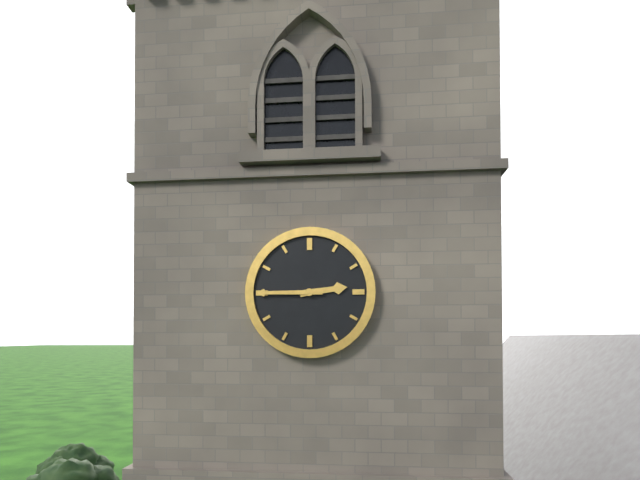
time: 2:45
